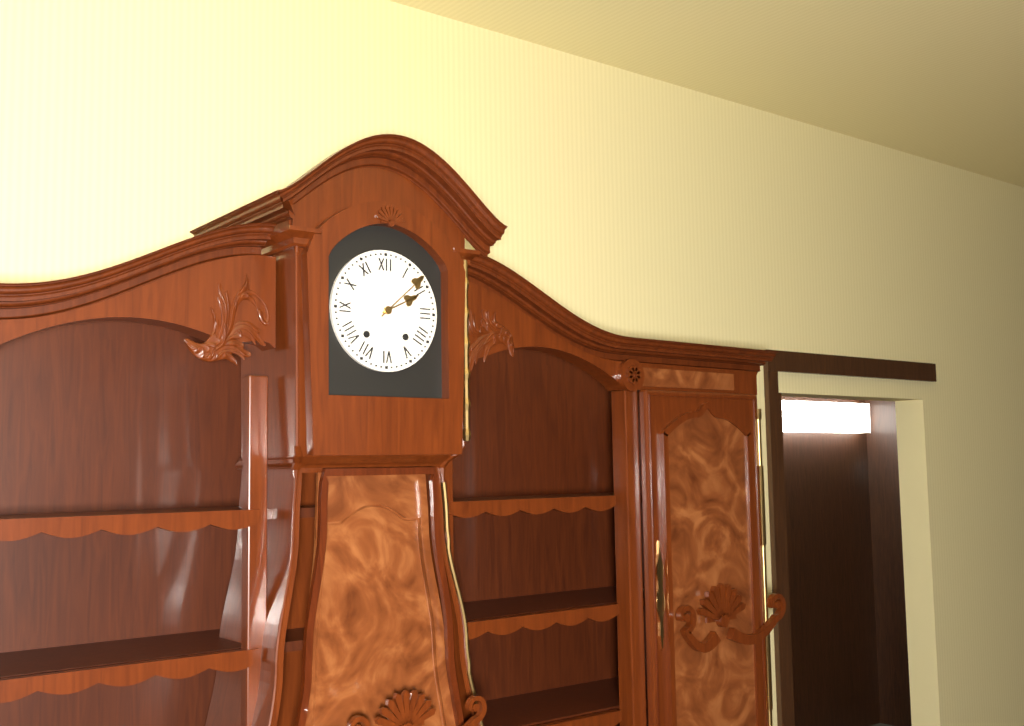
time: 2:08
